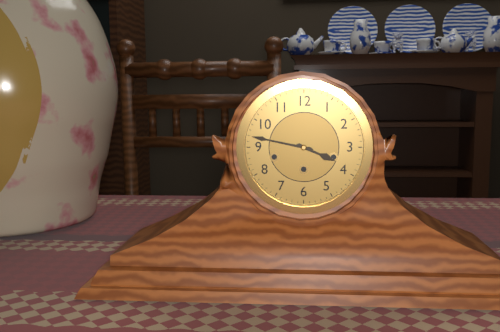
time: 3:47
